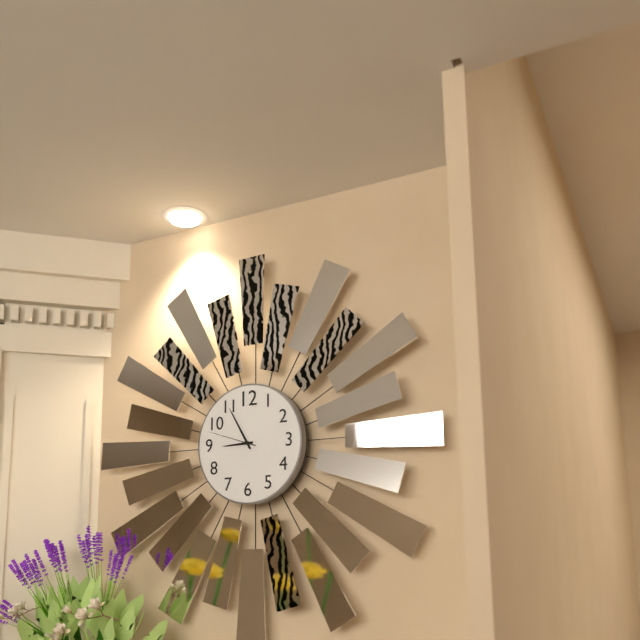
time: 8:55:48
